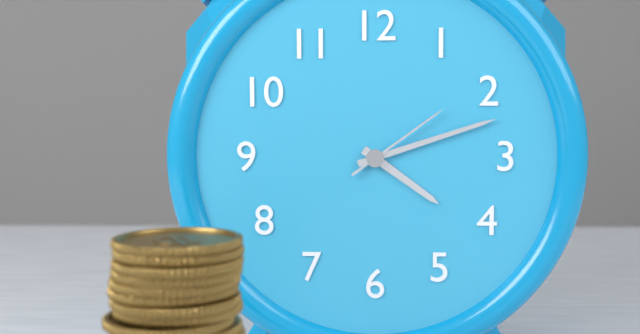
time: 4:12:09
